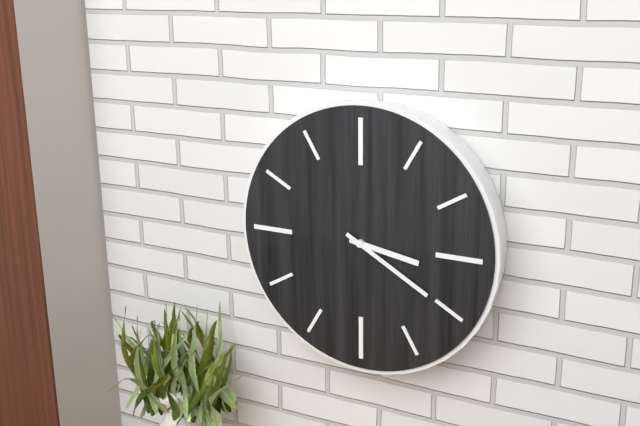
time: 3:20
